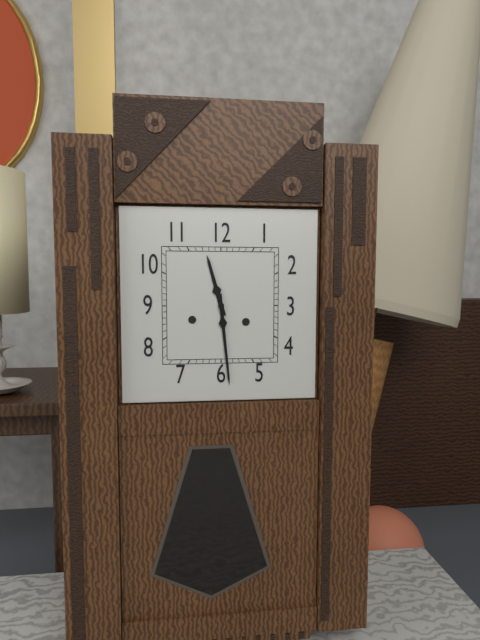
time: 11:29
